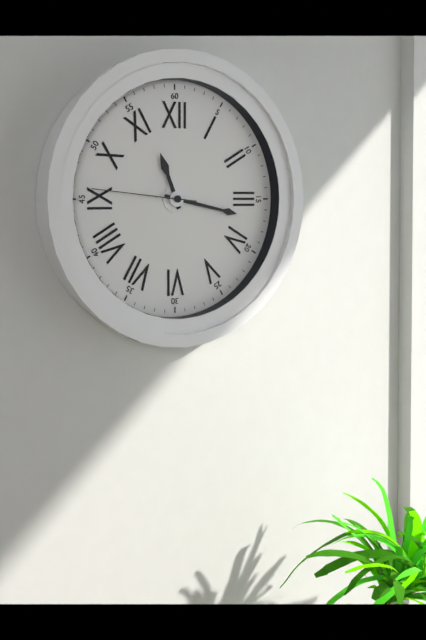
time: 11:17:46
